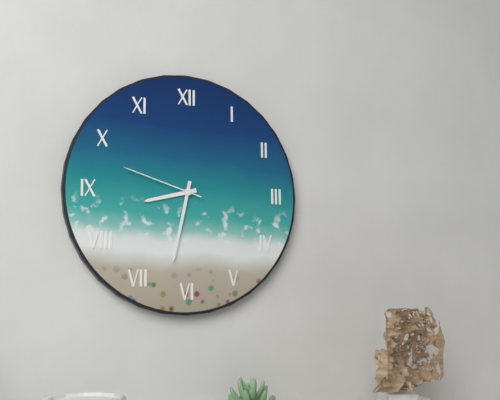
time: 8:32:48
